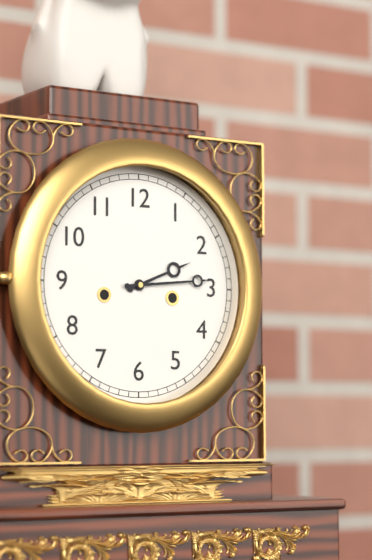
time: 2:14
